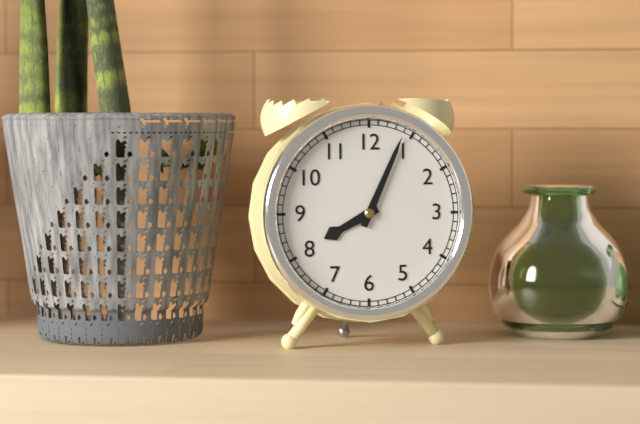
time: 8:04
